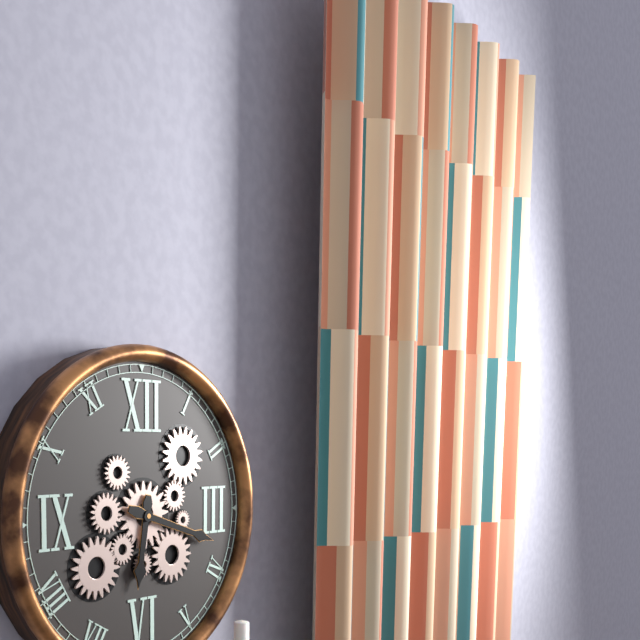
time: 6:18
